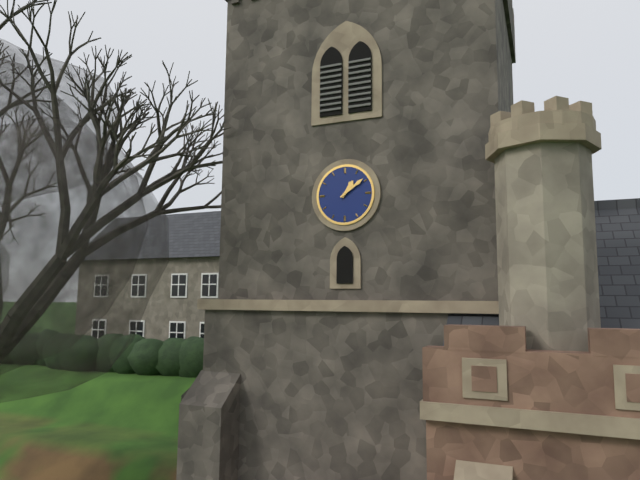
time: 1:09
